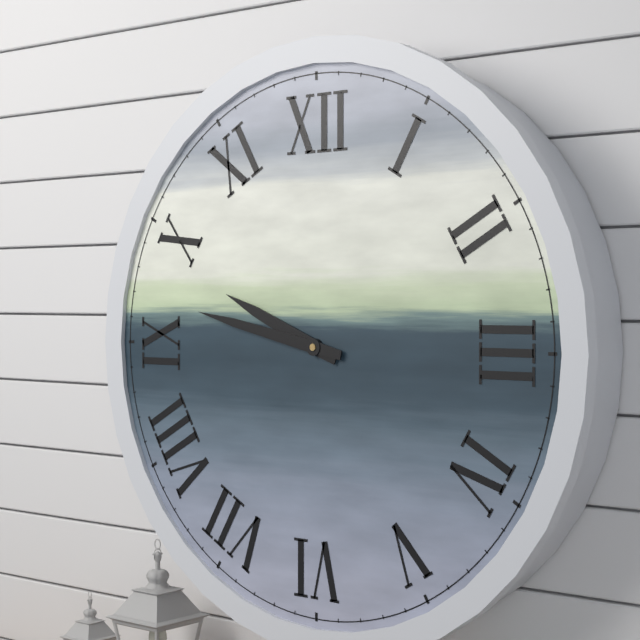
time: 9:47
